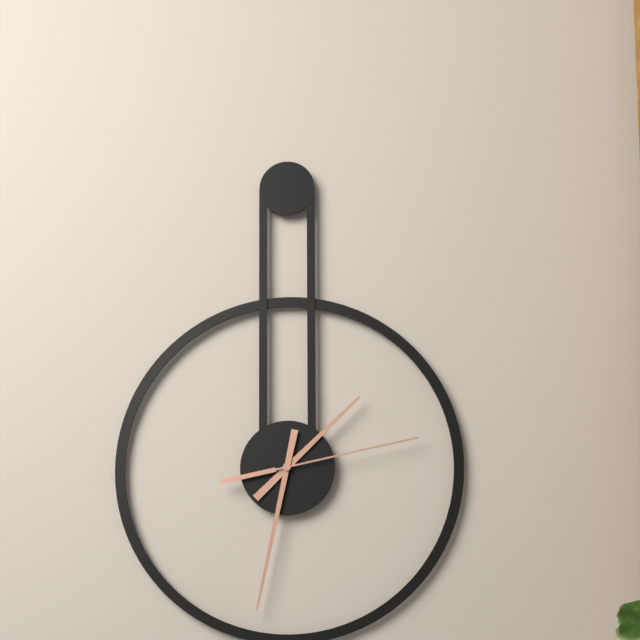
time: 1:32:13
